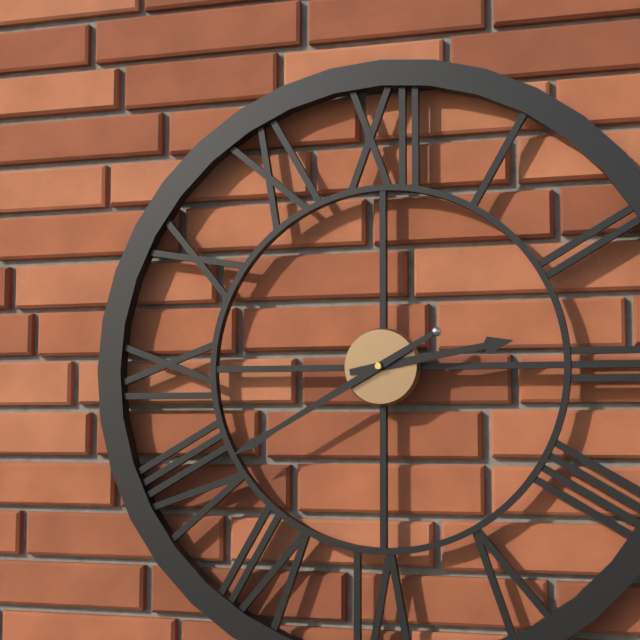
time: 2:40
